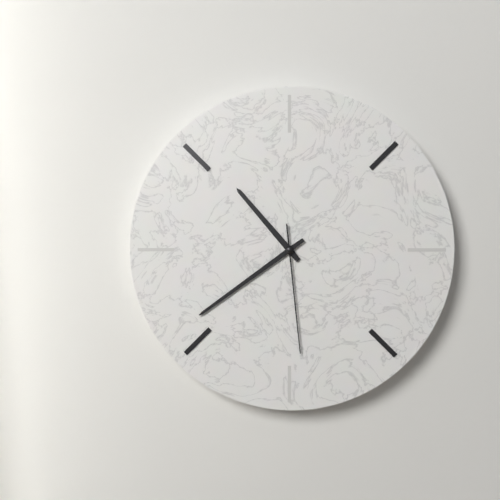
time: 10:39:29
